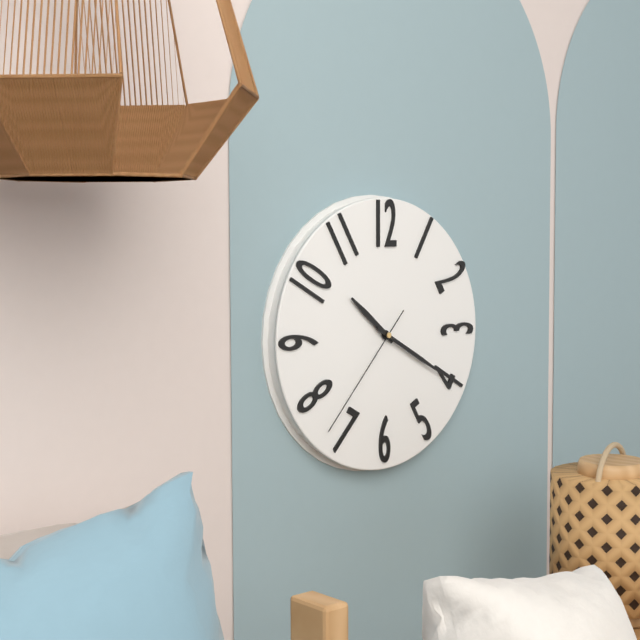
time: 10:20:37
